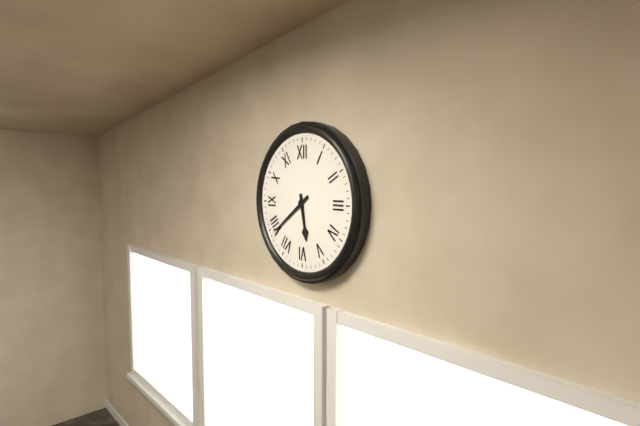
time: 5:39
